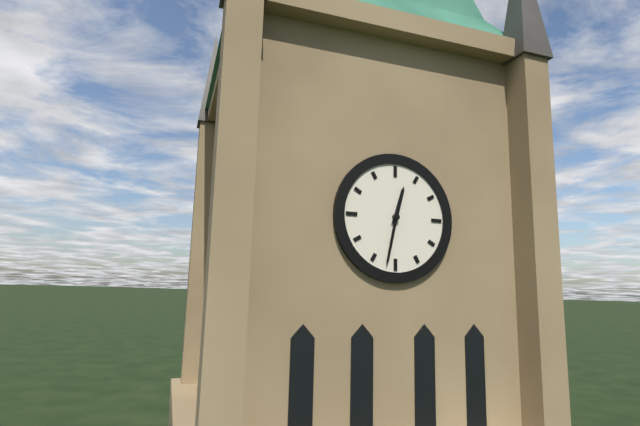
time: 12:32
